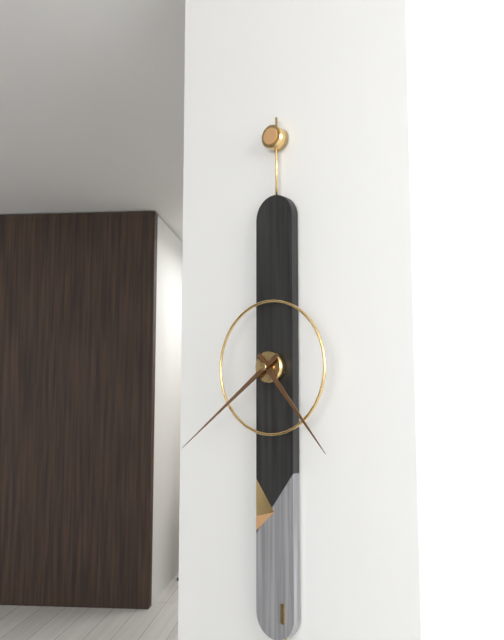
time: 4:39
